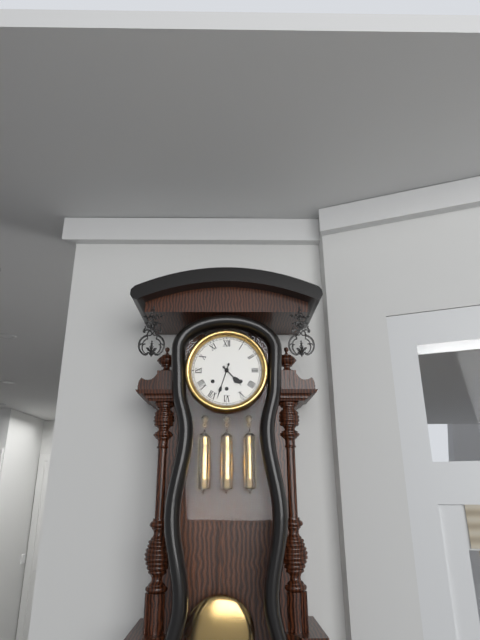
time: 4:33
